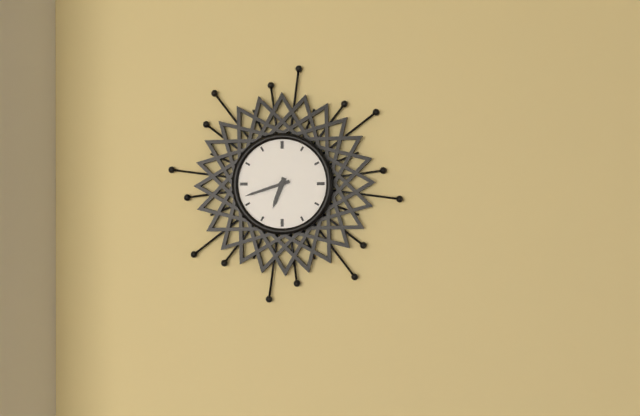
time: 6:42
